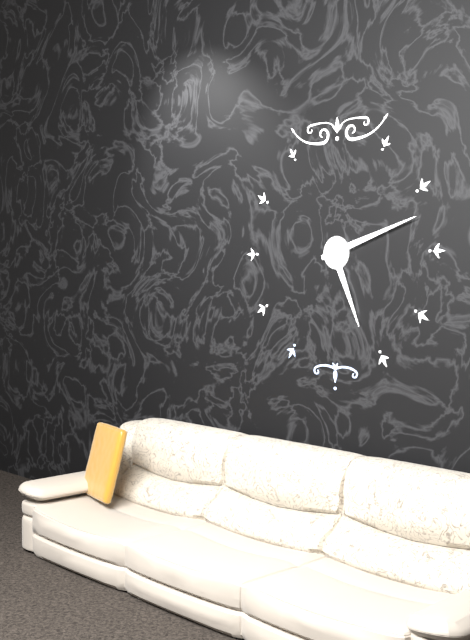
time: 5:12
